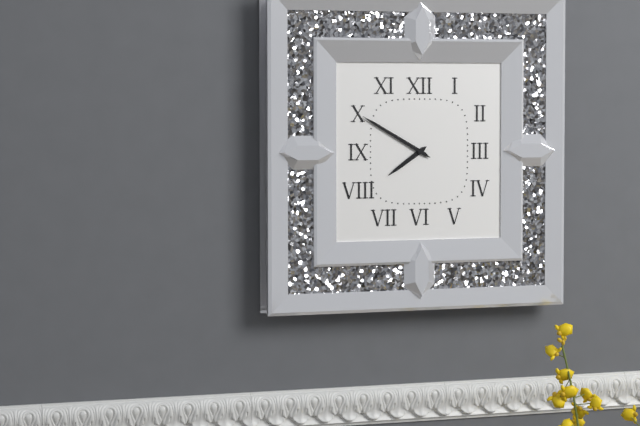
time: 7:50
